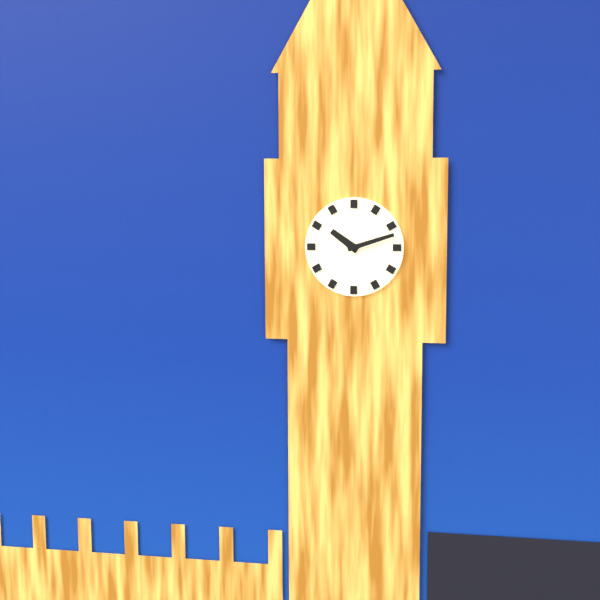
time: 10:12
